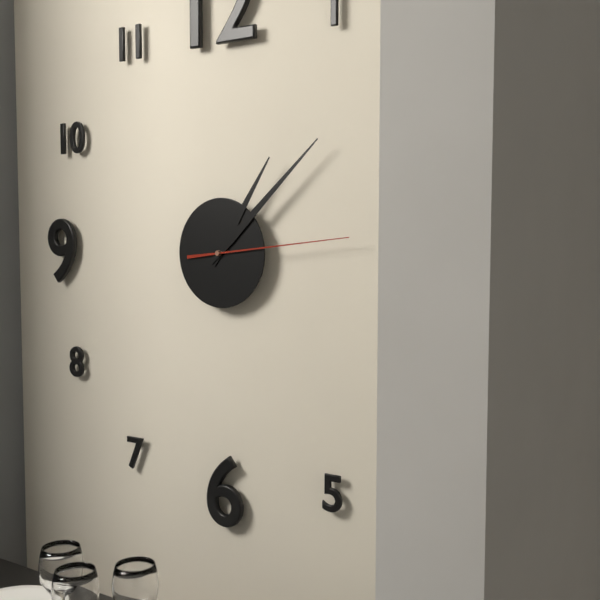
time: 1:08:14
